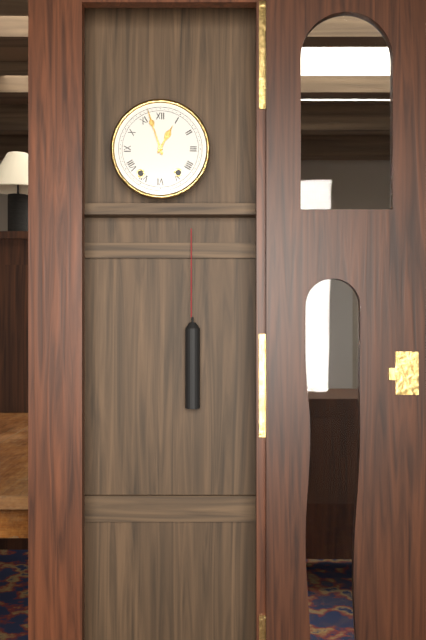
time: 12:57
